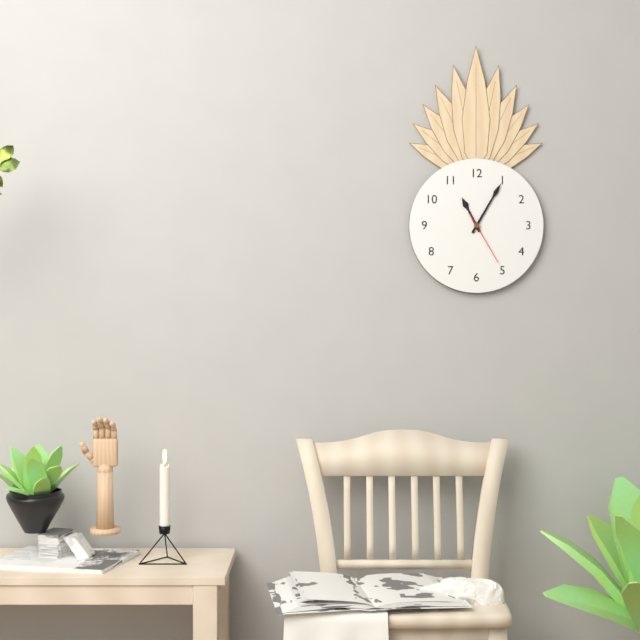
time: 11:05:25
